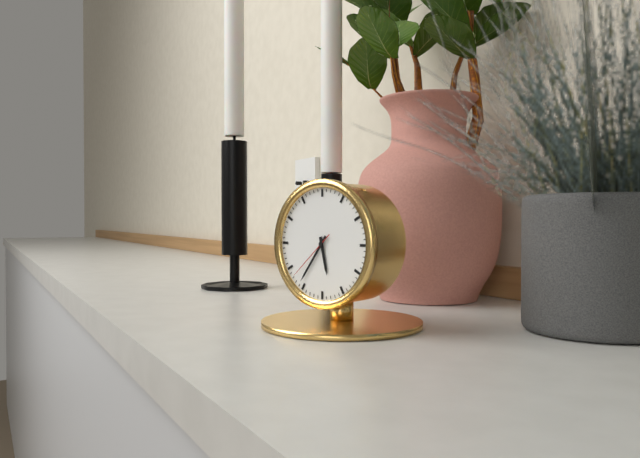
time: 5:36:38
